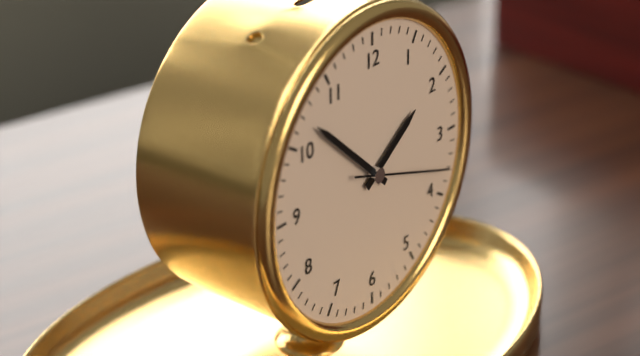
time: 1:52:18
